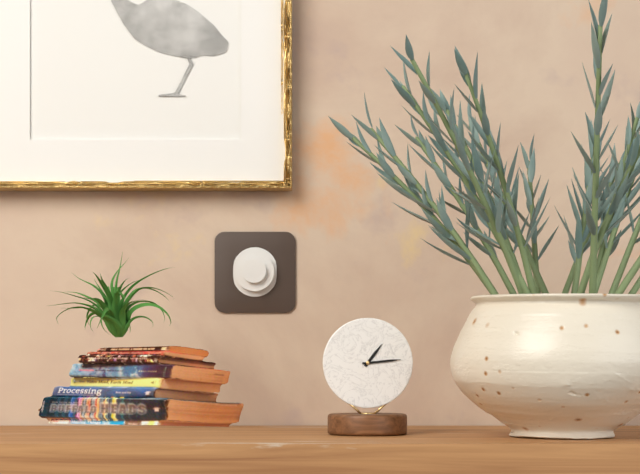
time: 1:14
